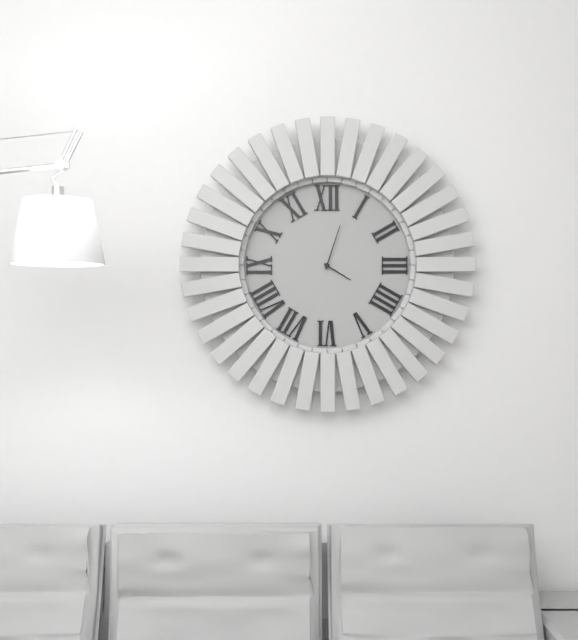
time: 4:03
